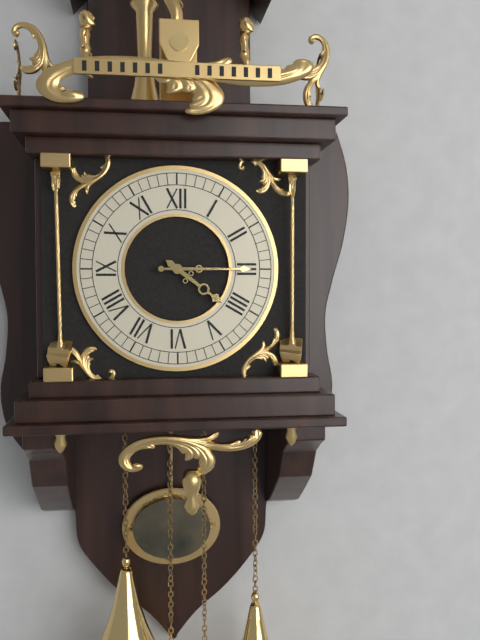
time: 4:15
